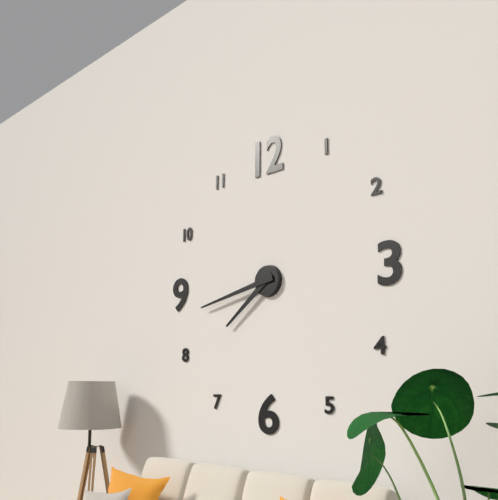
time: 7:43
